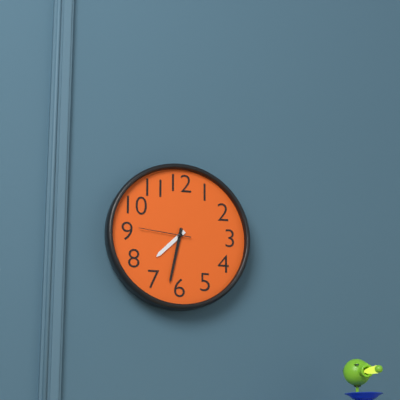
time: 7:32:46
